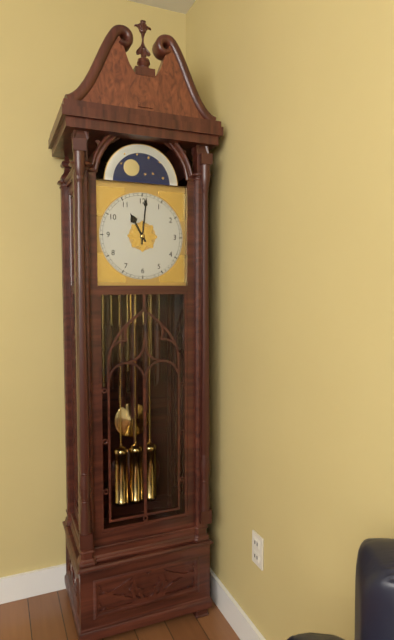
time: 11:01
